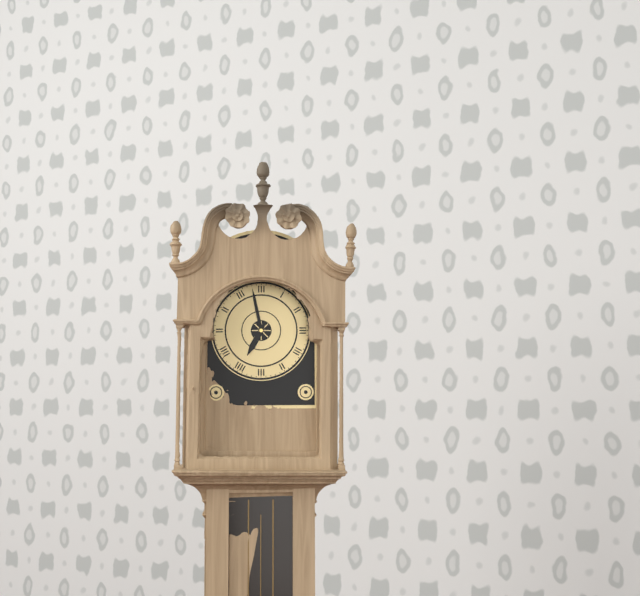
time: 6:58
